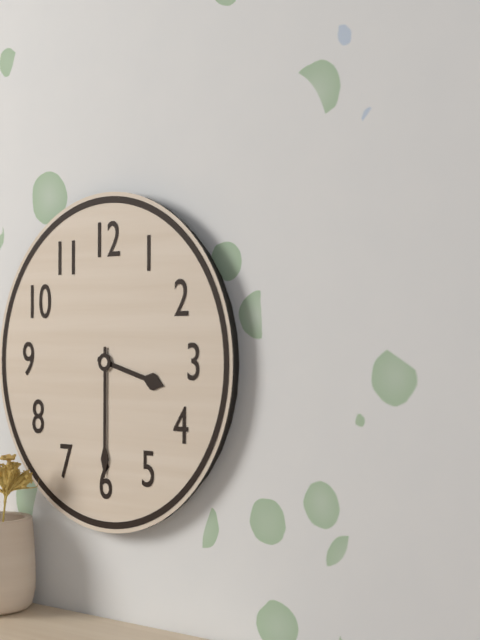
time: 3:30
